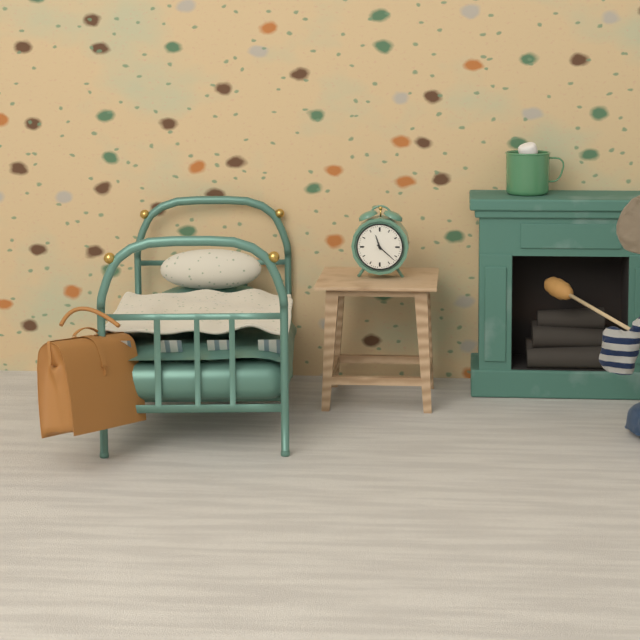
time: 11:22
